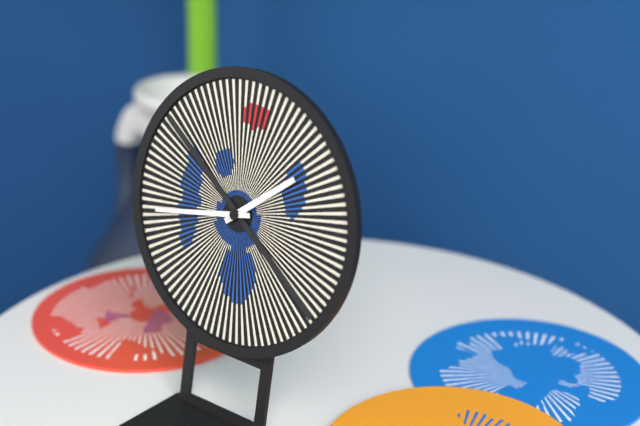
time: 1:43:51
